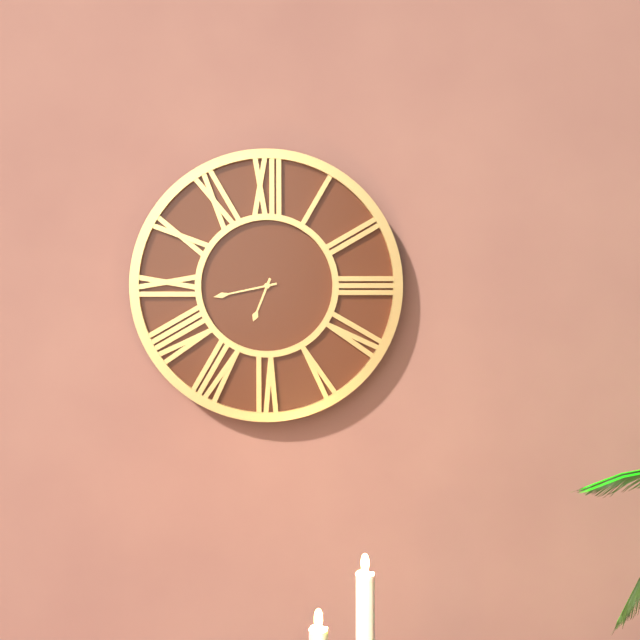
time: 6:43
